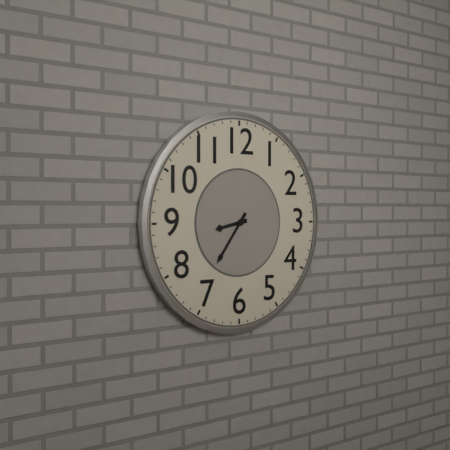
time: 8:36
